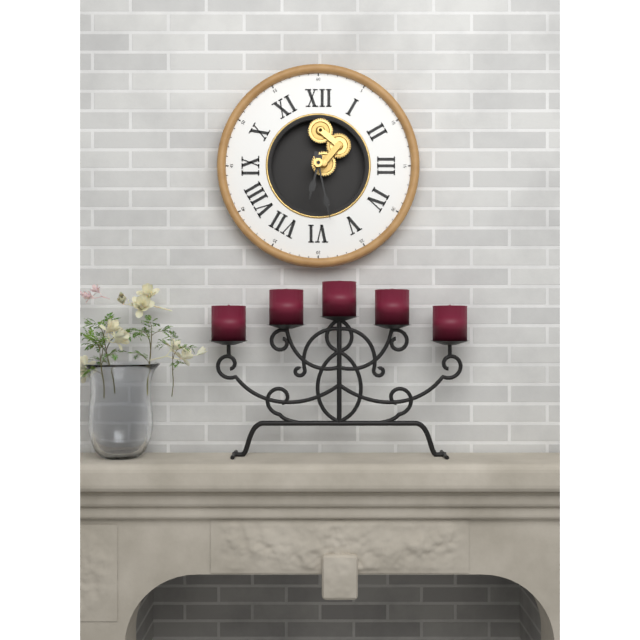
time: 6:28
